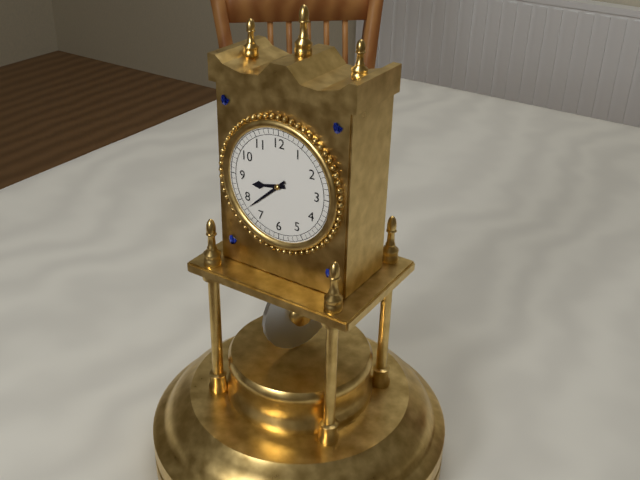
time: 8:38
